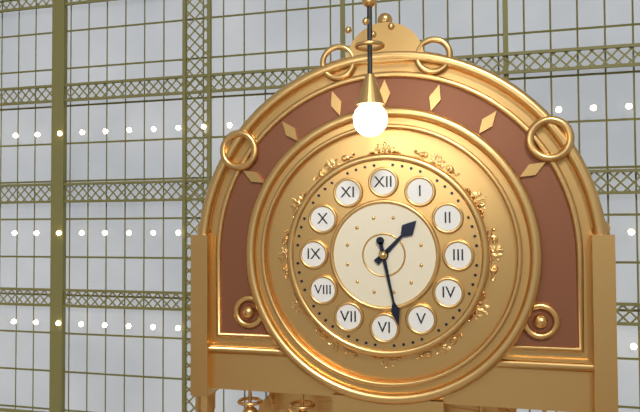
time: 1:28
